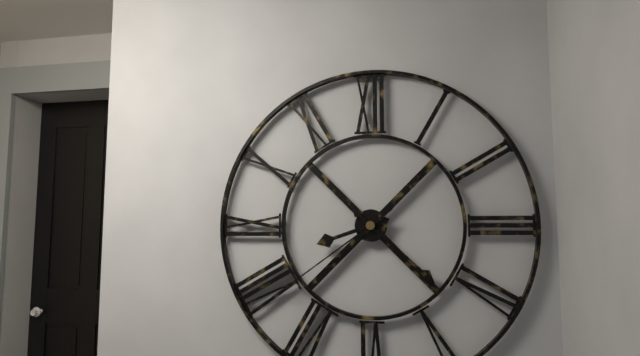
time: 8:22:39
